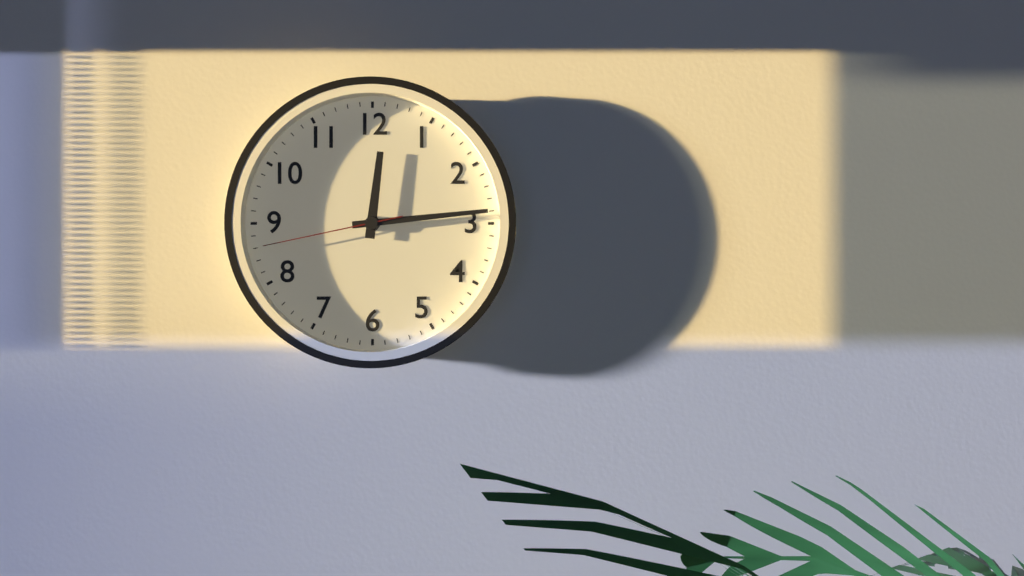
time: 12:14:43
